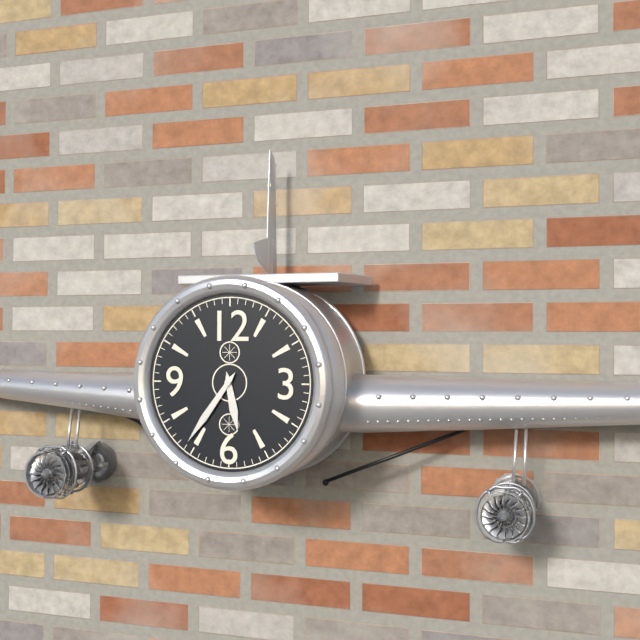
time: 5:36
